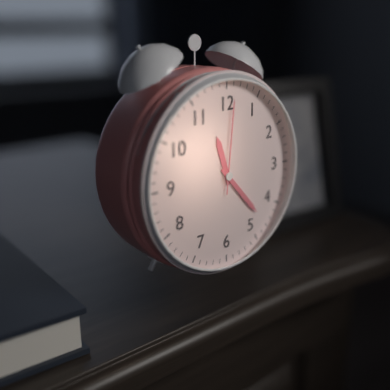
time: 11:23:01
